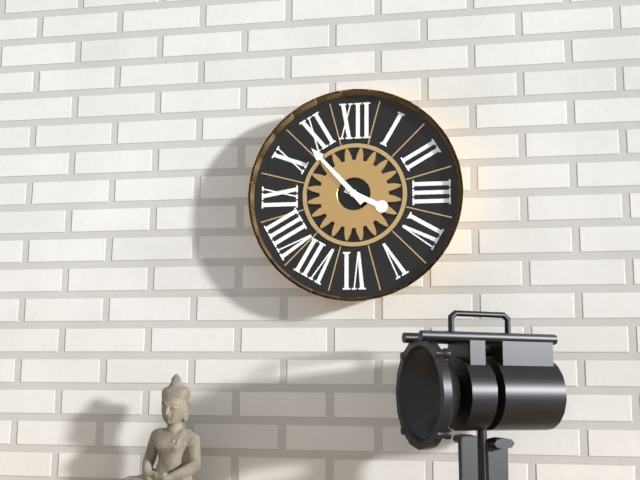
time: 3:53
